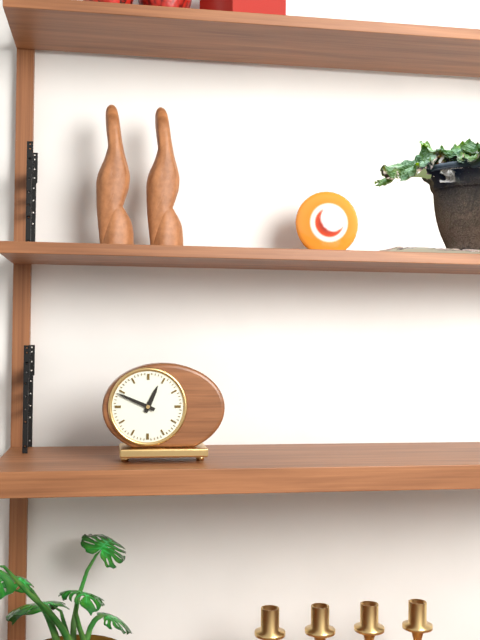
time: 12:49
